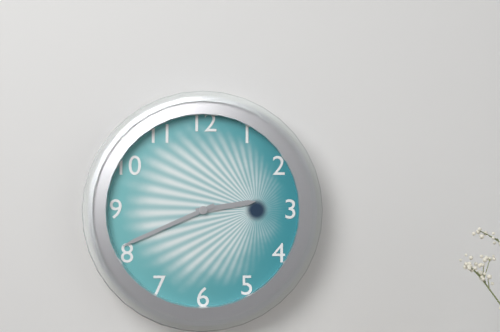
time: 2:41
